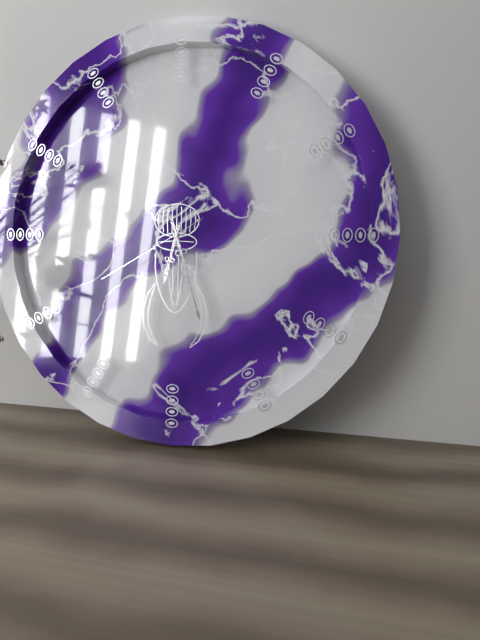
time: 6:27:40
